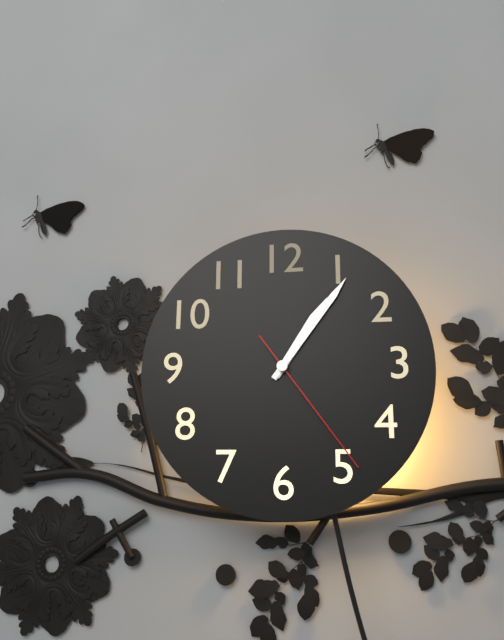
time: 1:06:24
